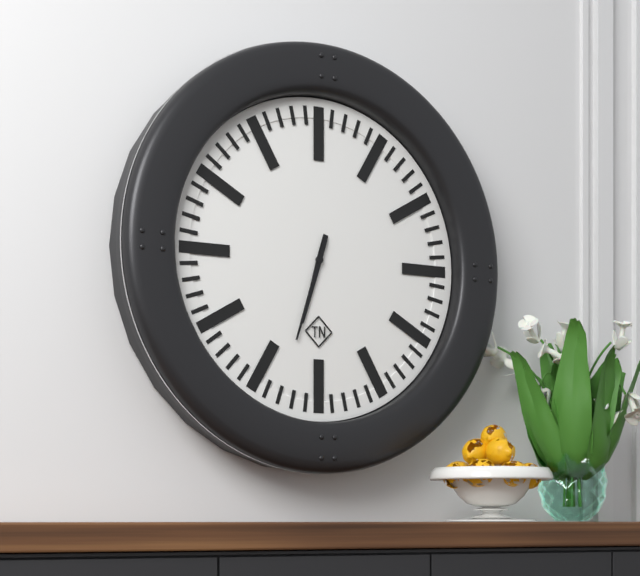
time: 6:33
